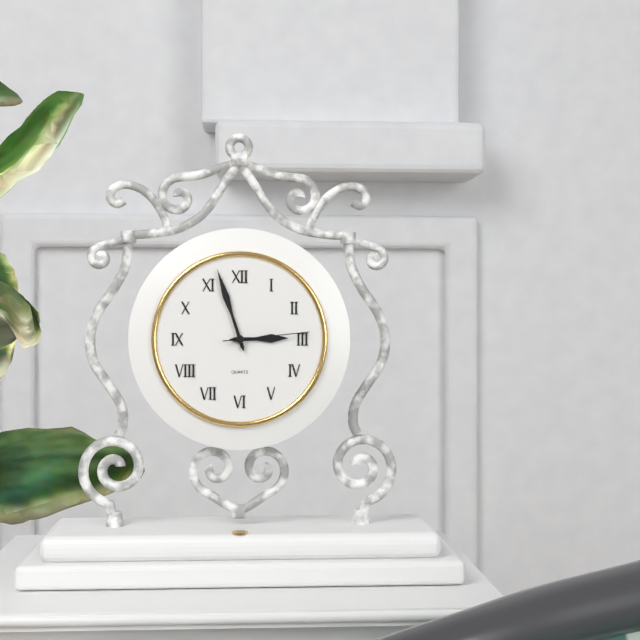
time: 2:57:14
